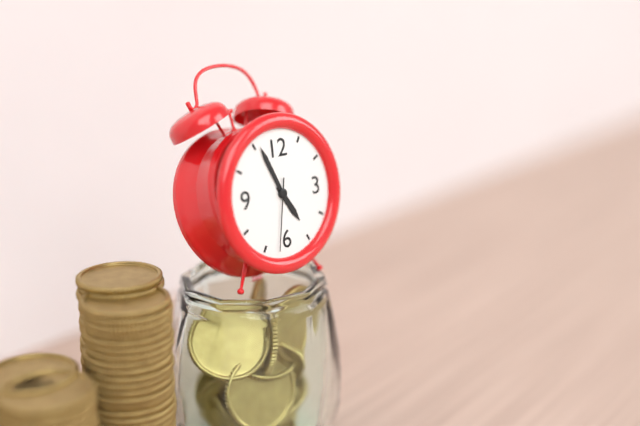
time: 4:56:32
